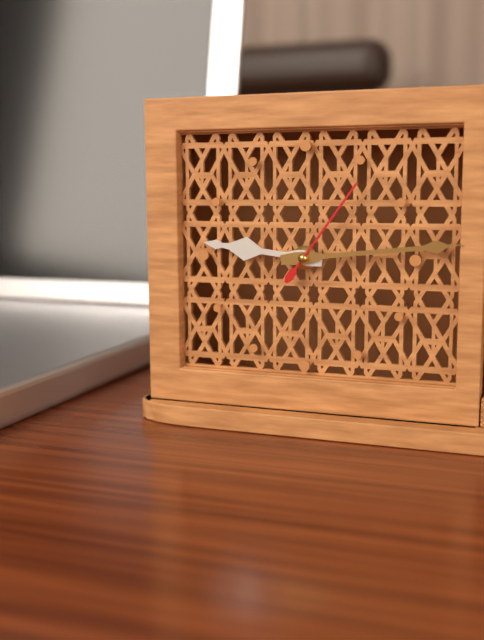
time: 9:14:06
